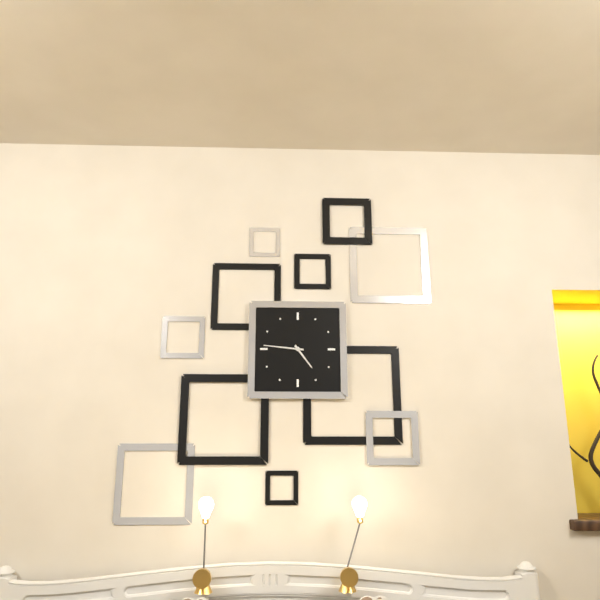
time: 4:46
